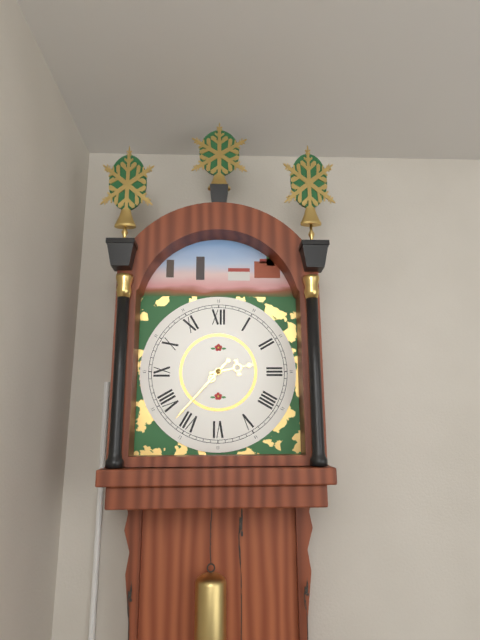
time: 2:37
